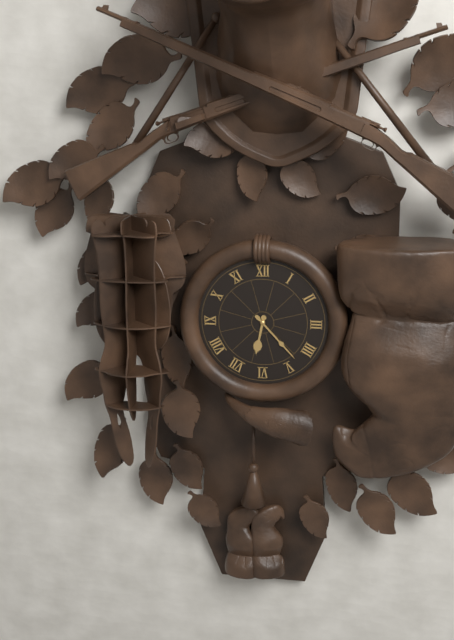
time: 6:23
